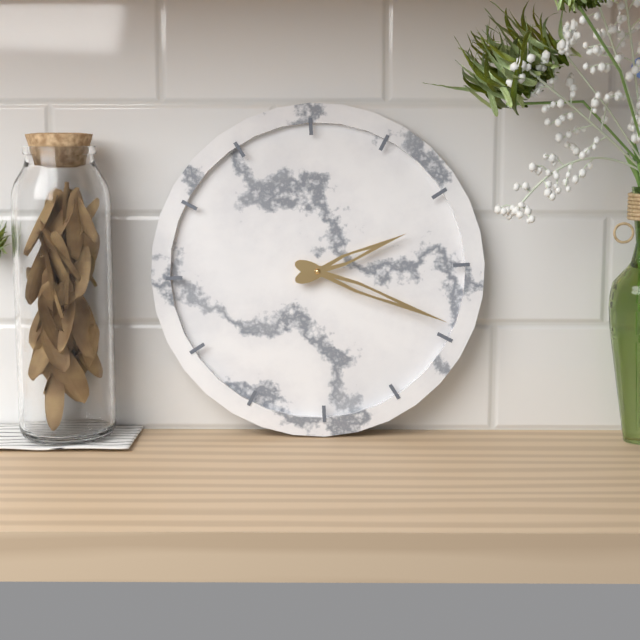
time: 2:19
